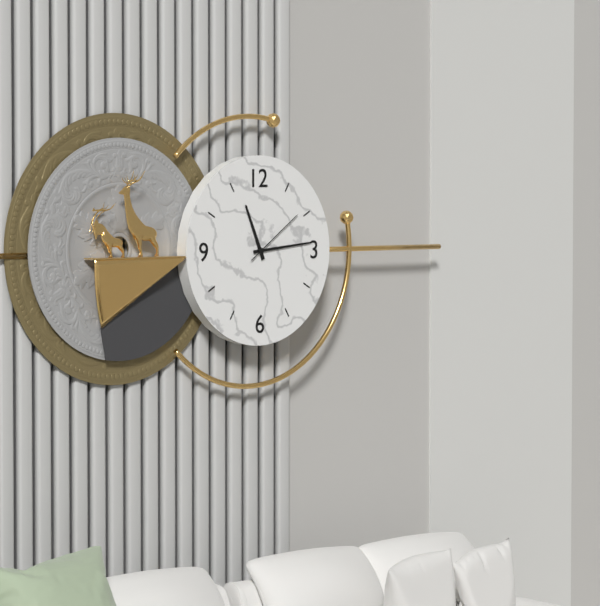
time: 11:14:09
